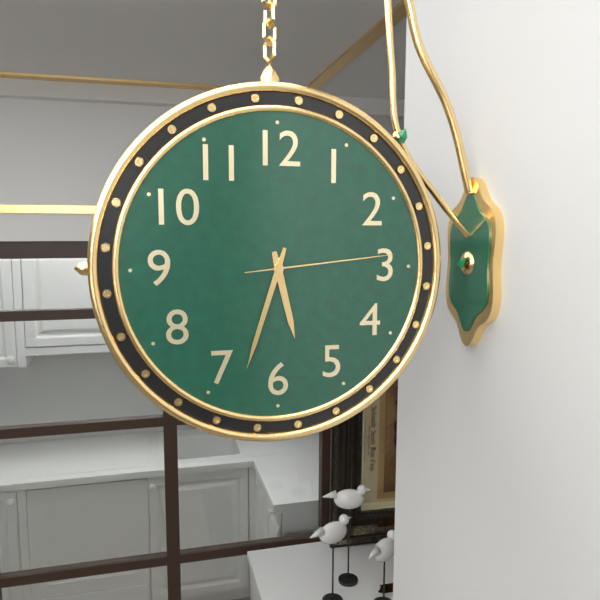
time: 5:33:14
